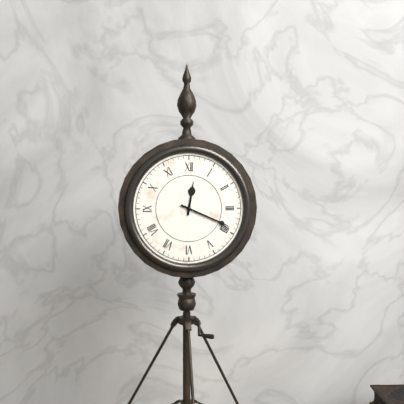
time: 12:19
